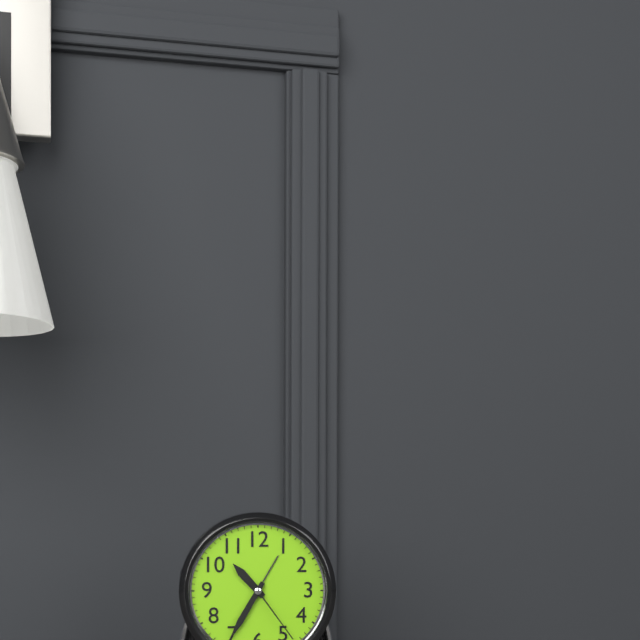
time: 10:35:24
